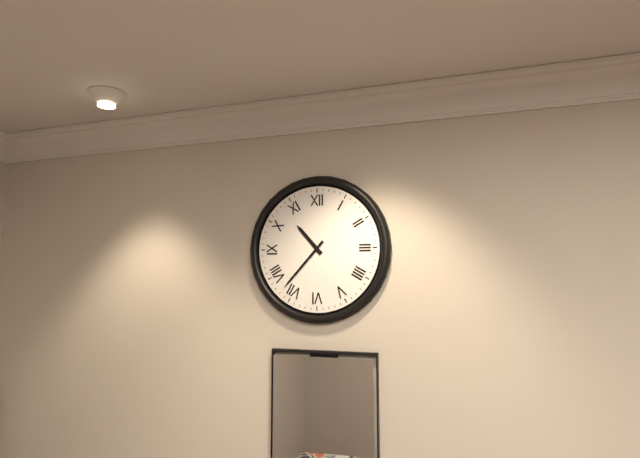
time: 10:37
